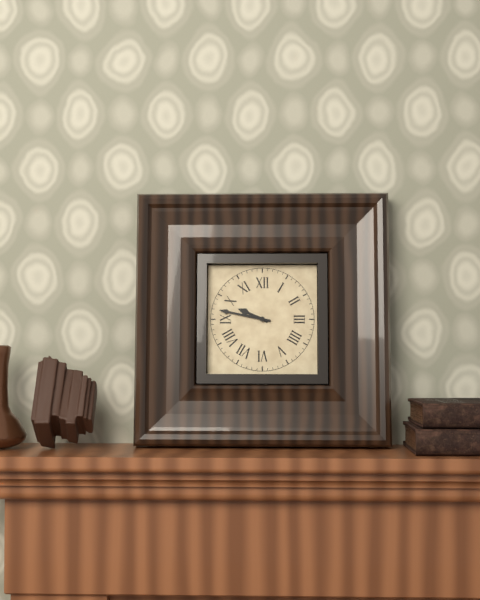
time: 9:47
